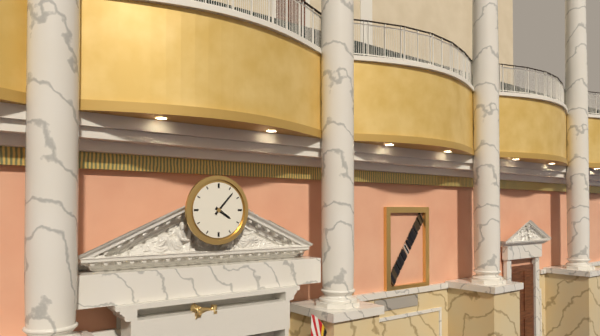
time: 4:07
